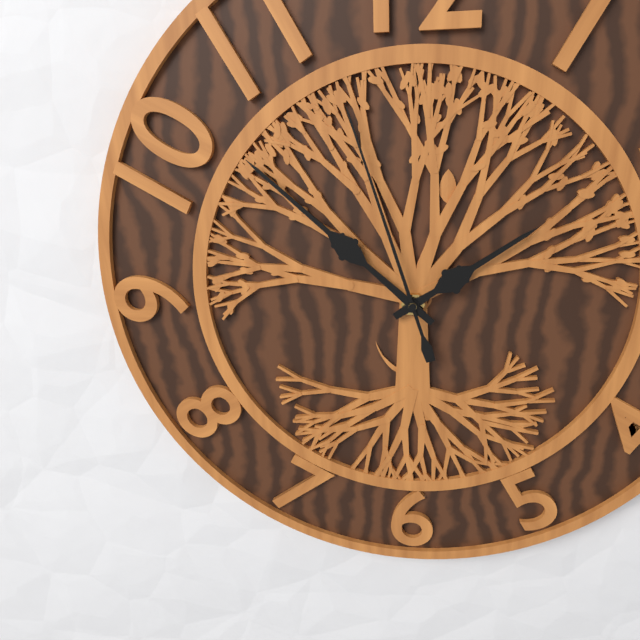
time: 1:52:57
